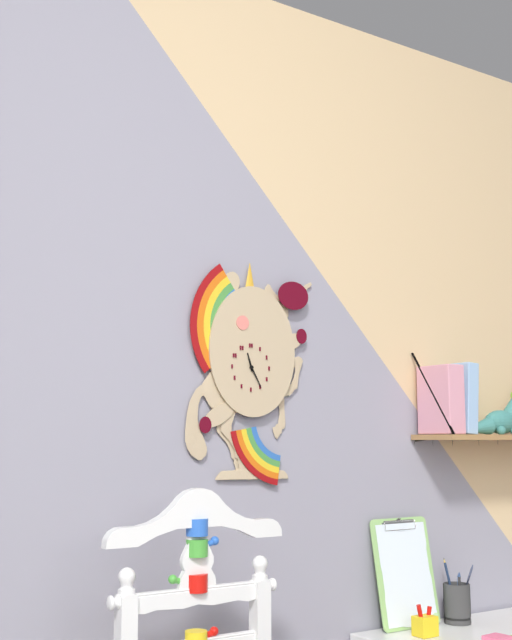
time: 11:25
